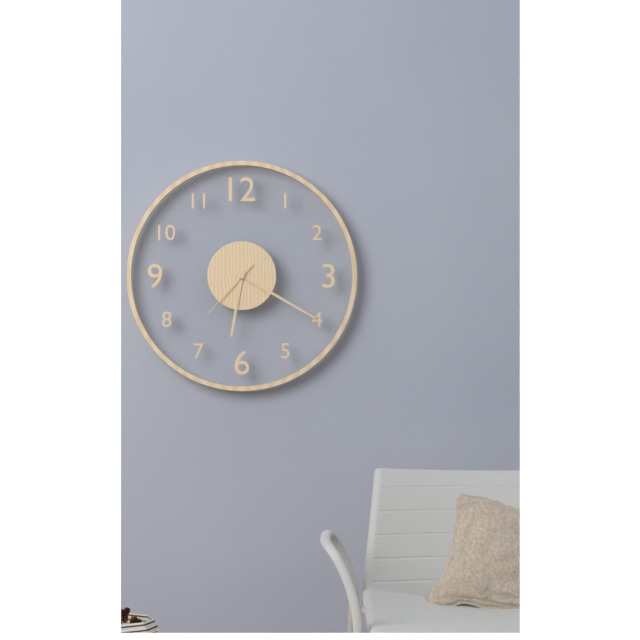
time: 6:20:37
